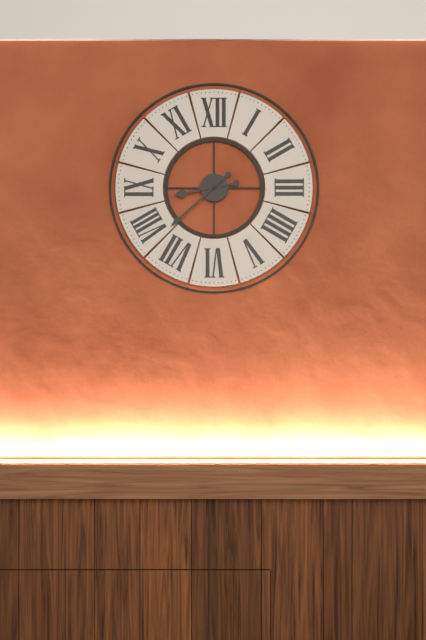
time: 8:38
